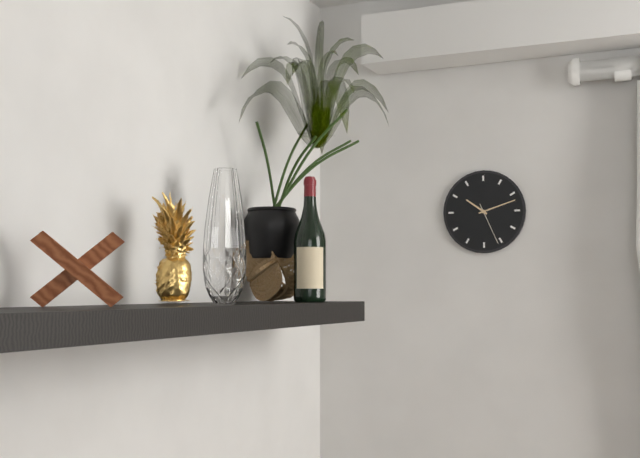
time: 10:12
